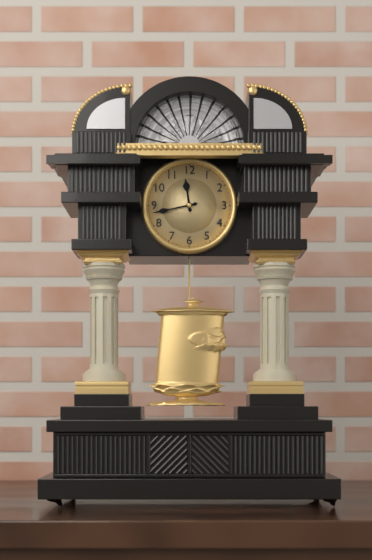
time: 11:43
